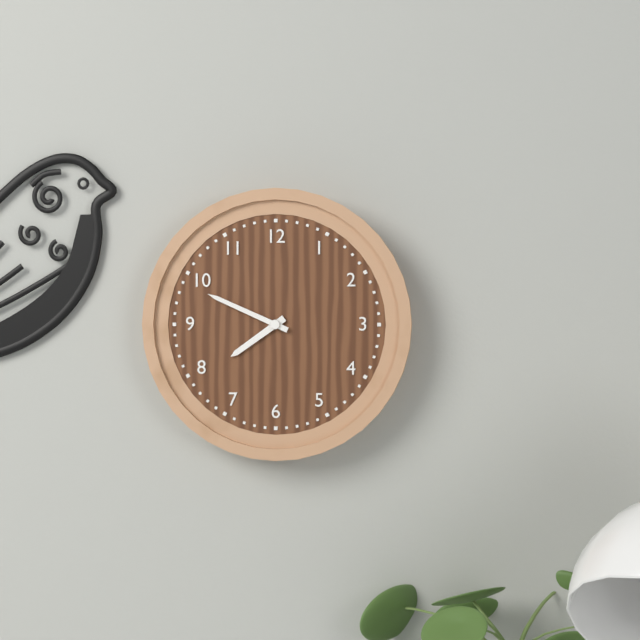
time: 7:49
